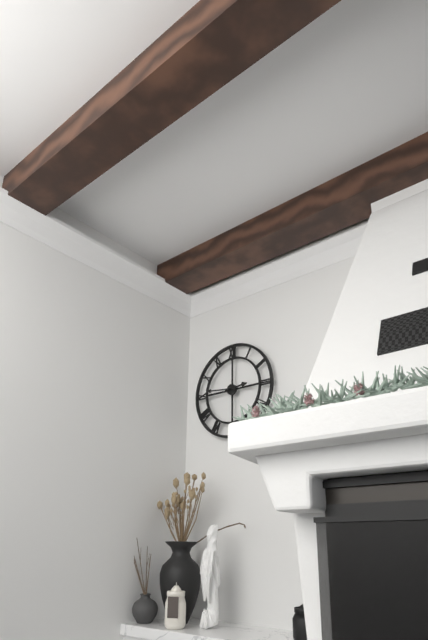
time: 2:46
